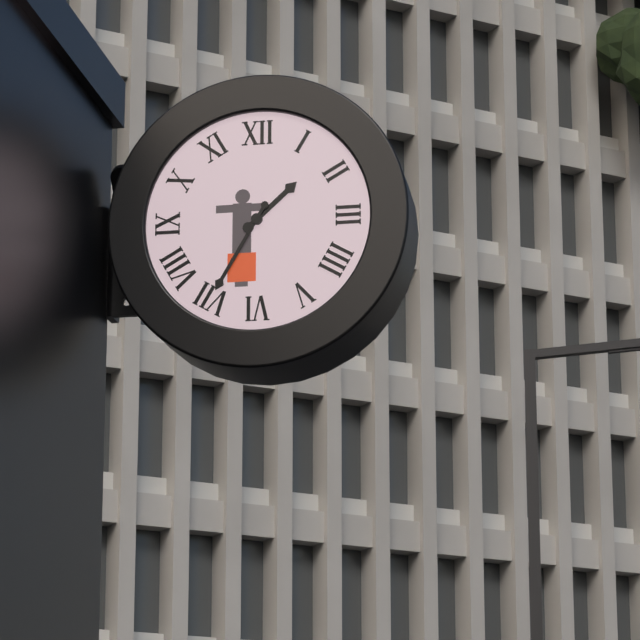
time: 1:35
